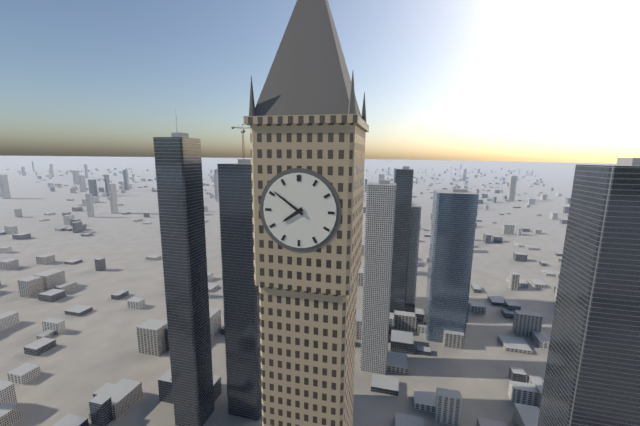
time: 7:51
